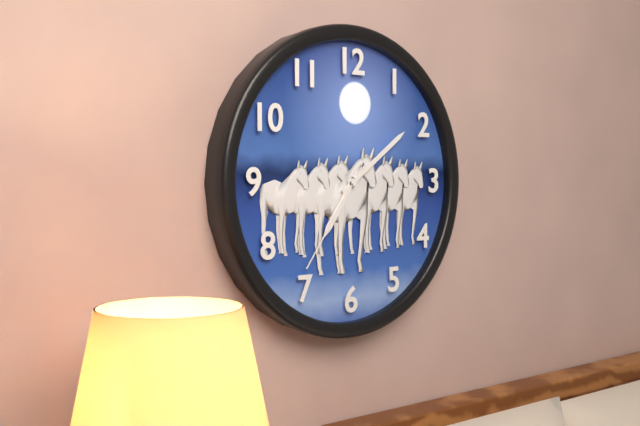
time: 7:09:36
